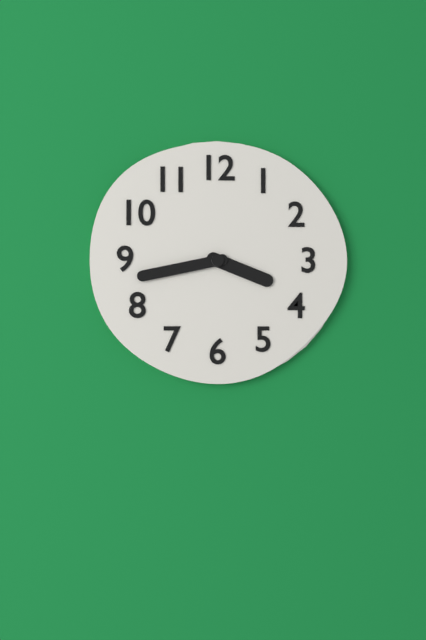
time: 3:43
